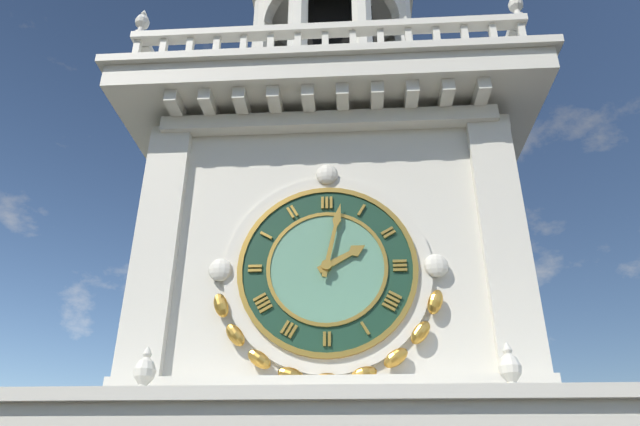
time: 2:02
